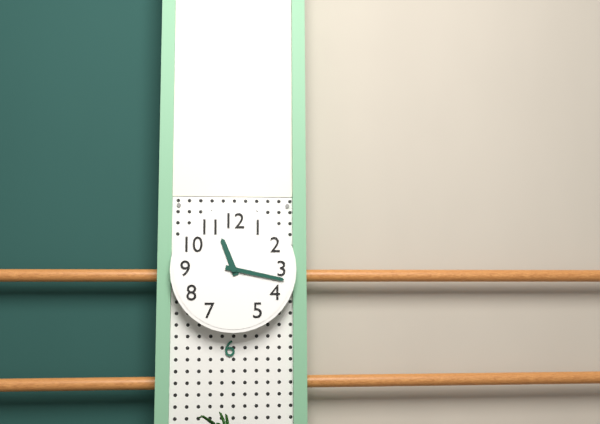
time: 11:17
